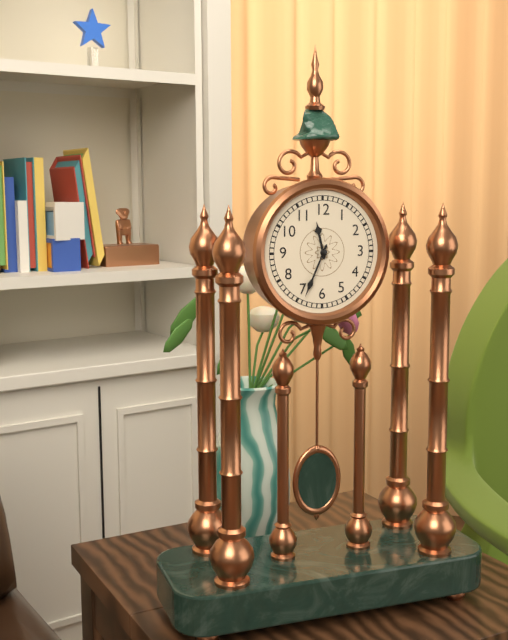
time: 11:34
